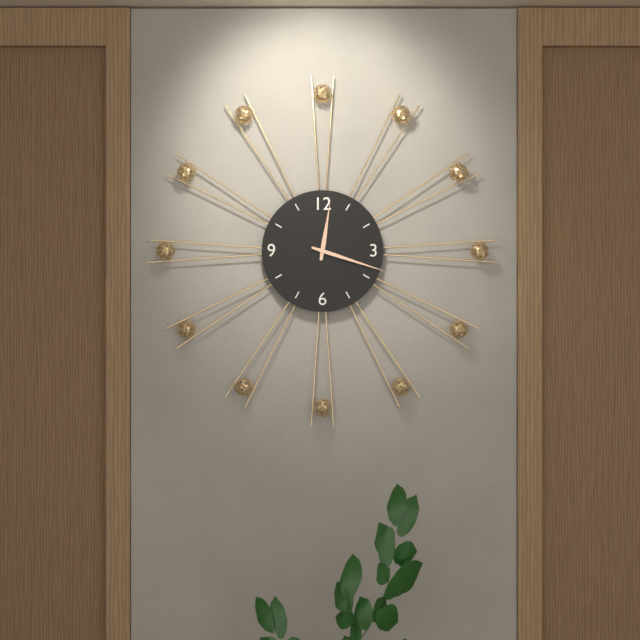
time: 12:18
